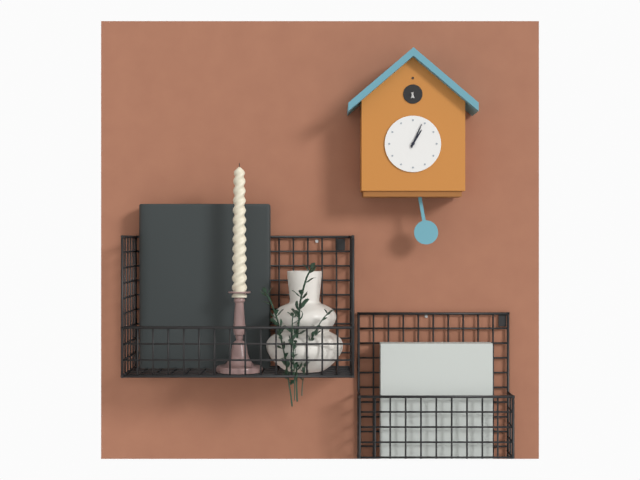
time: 1:04
